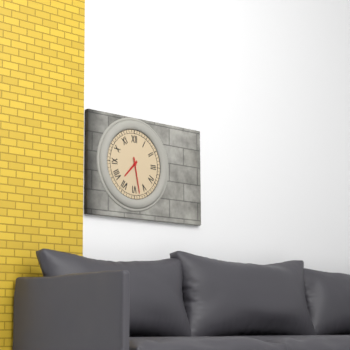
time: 7:28
